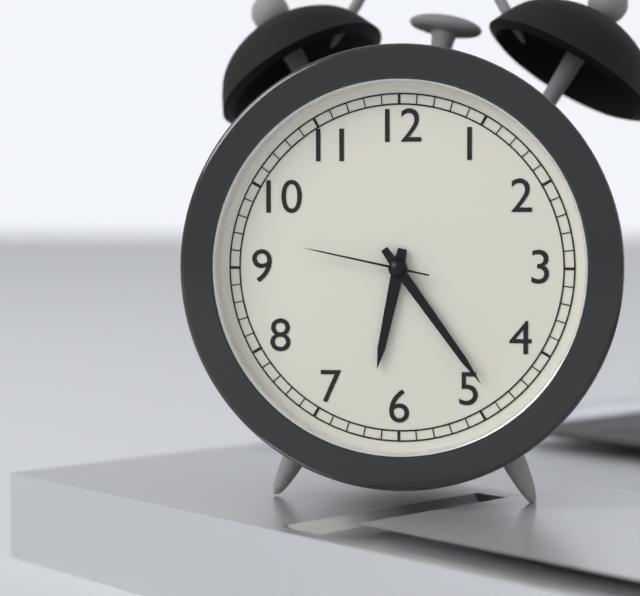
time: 6:24:47
